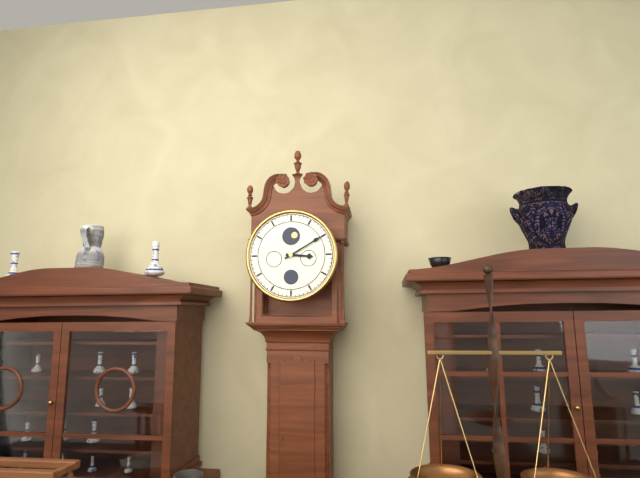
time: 3:10
